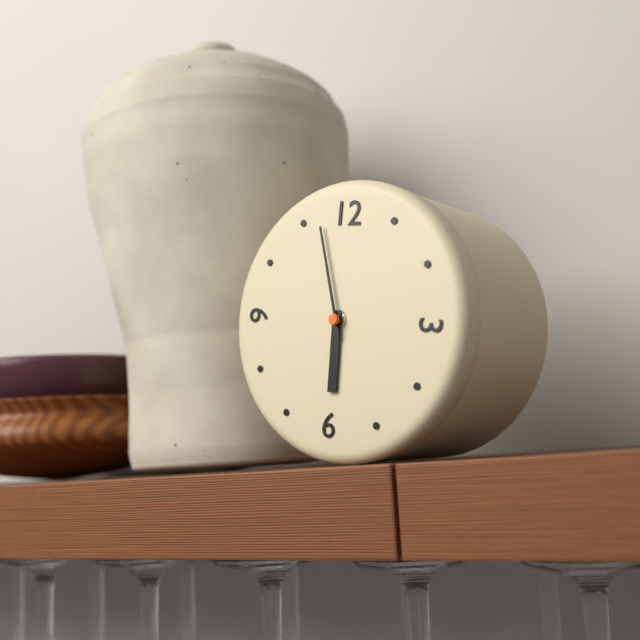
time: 5:57
